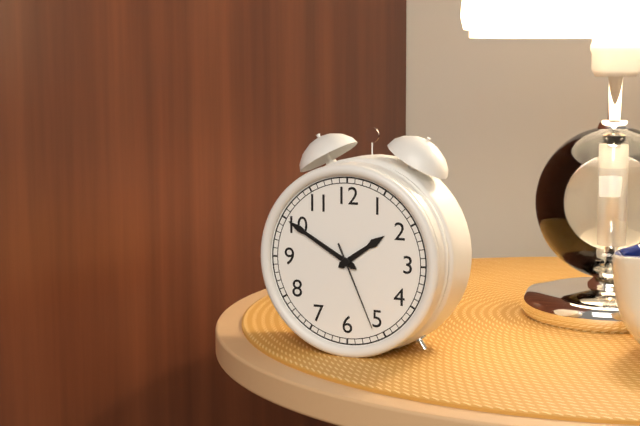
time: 1:50:26
